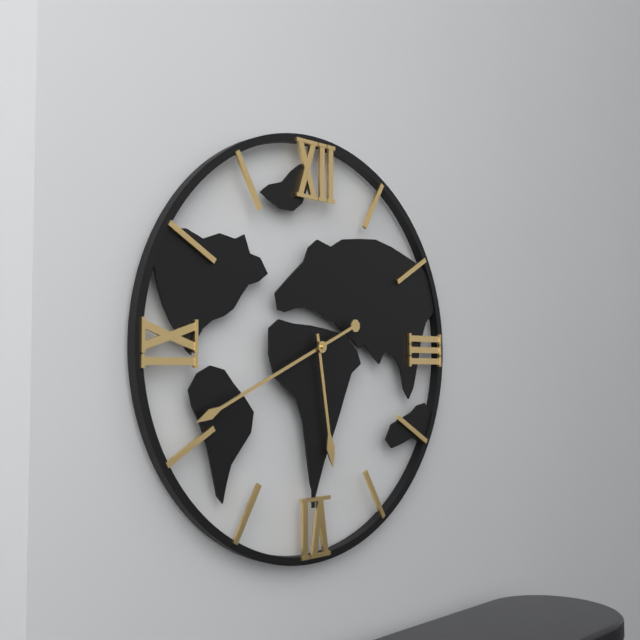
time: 5:41
